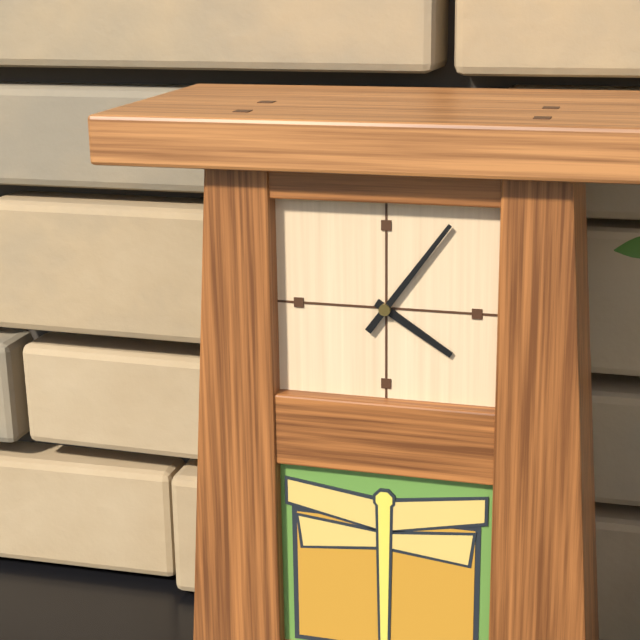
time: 4:06
